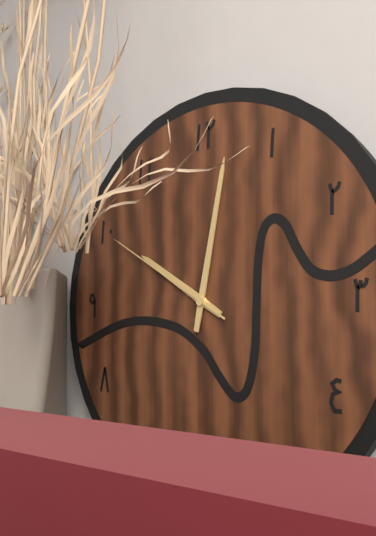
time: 10:02:50
